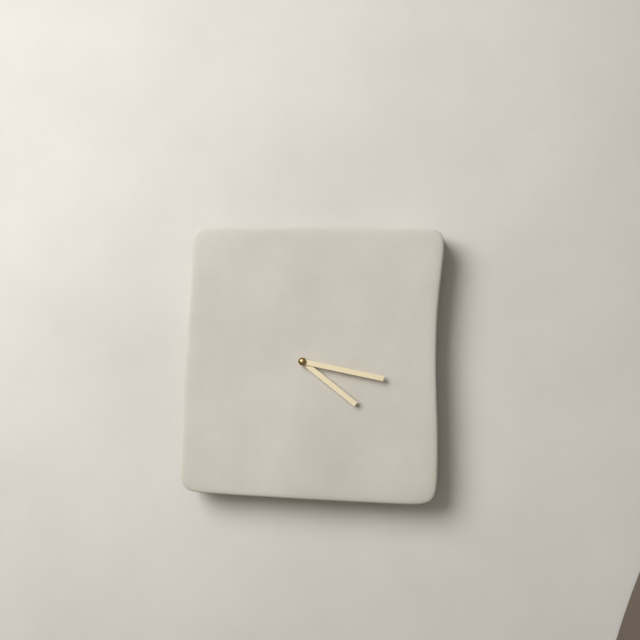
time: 4:17
